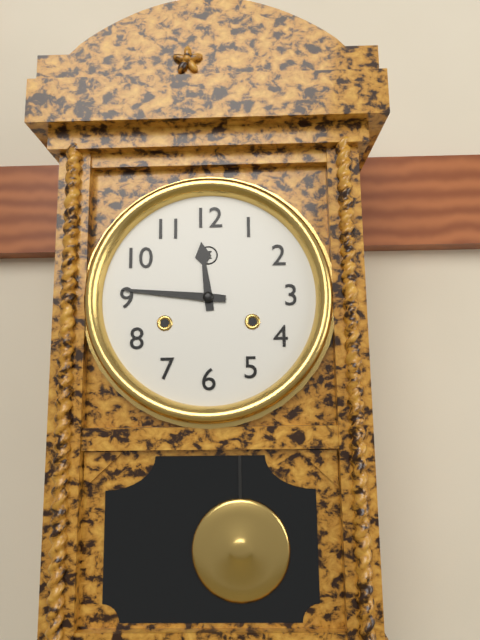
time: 11:46
